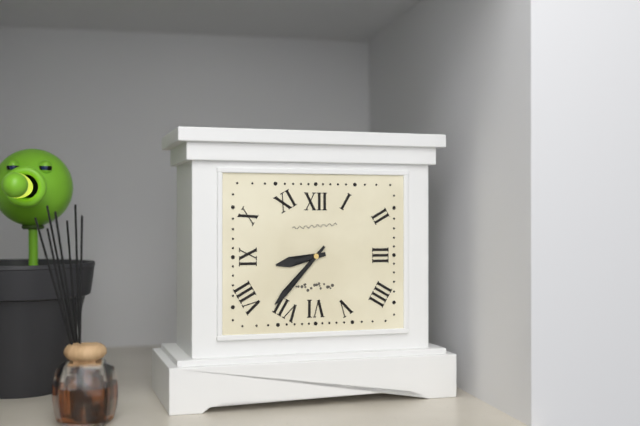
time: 8:37
